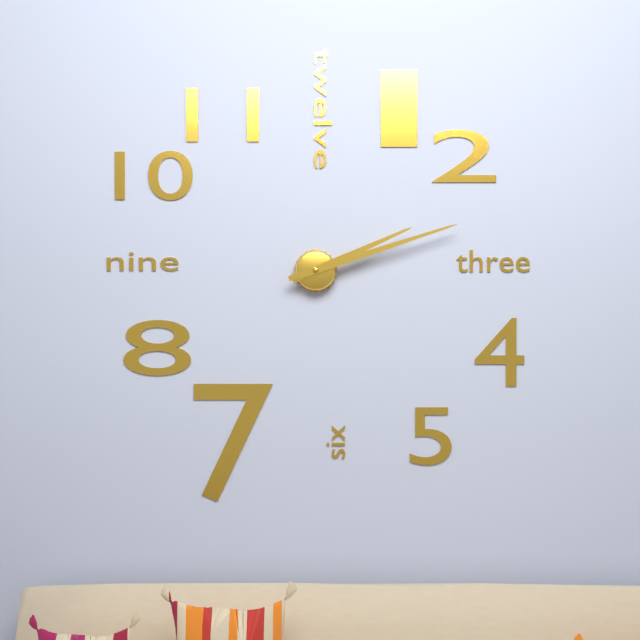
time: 2:12
